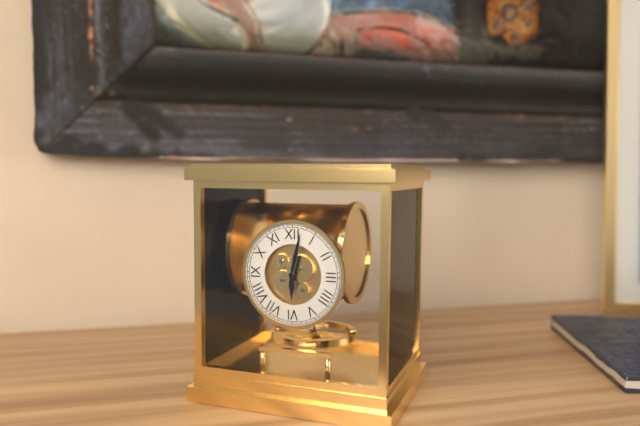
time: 6:02
